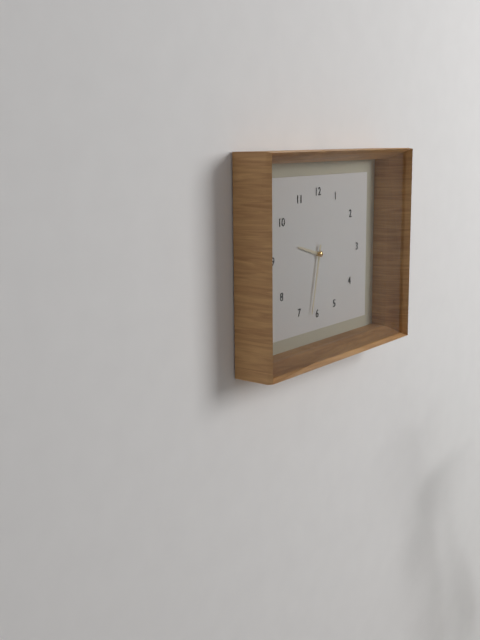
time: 9:32
